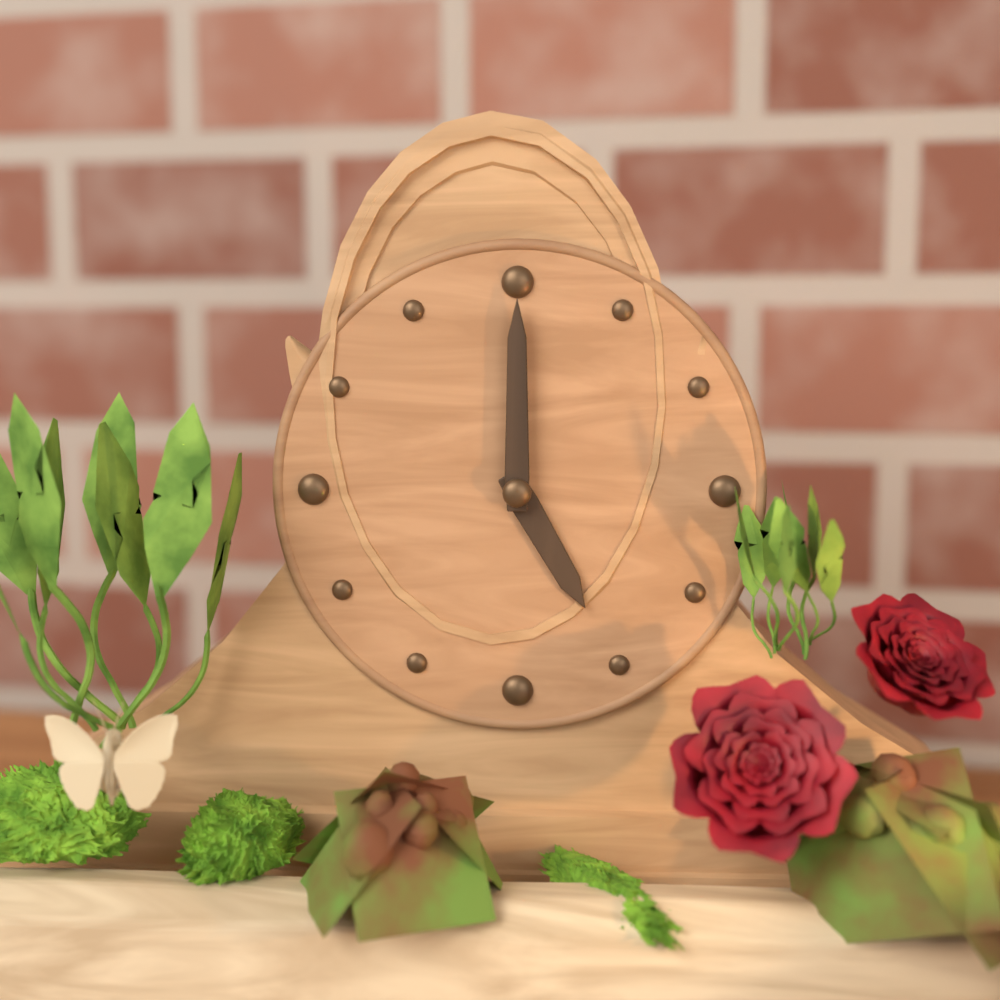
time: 5:00
